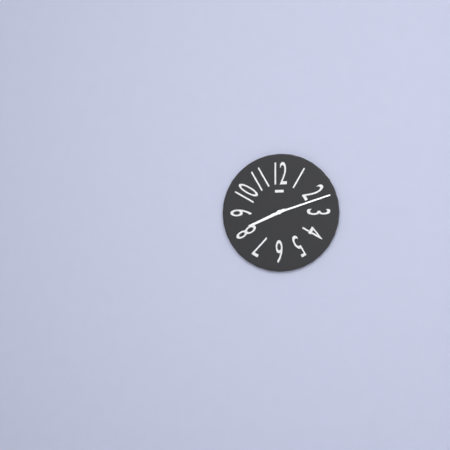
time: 8:12
